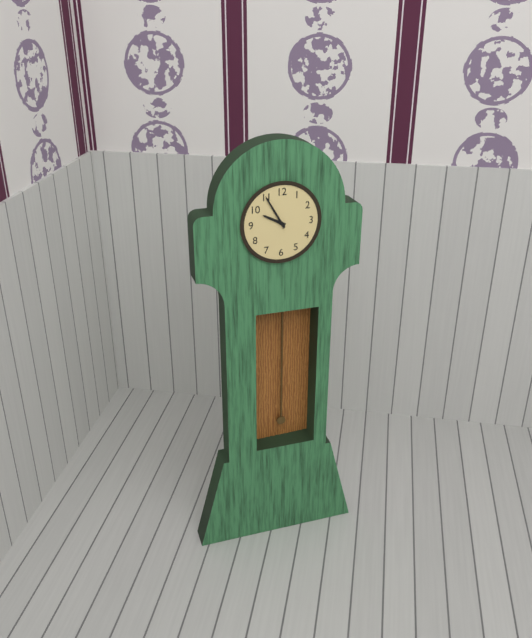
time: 9:55
